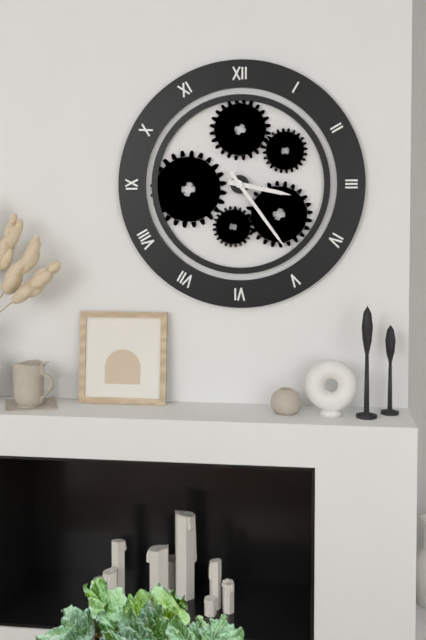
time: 3:24
